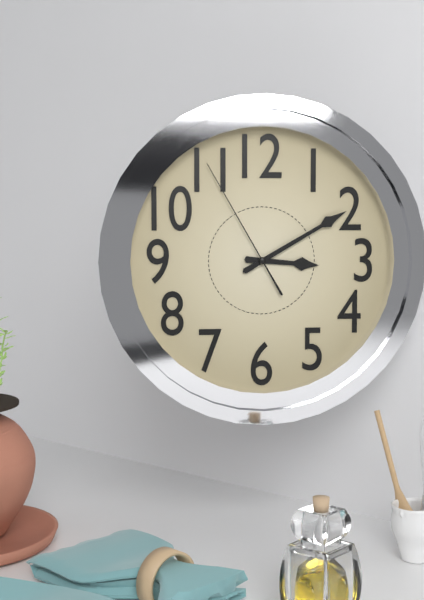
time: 3:10:55
